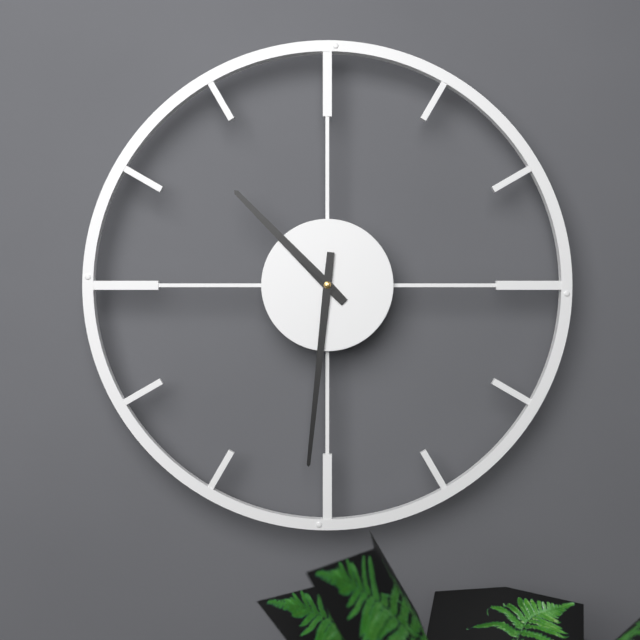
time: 10:31
